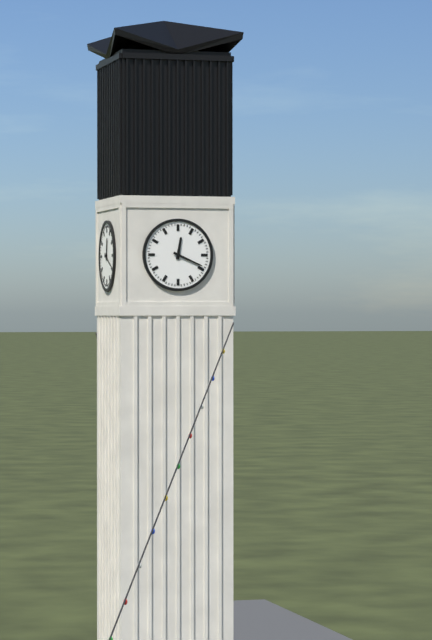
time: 12:19
